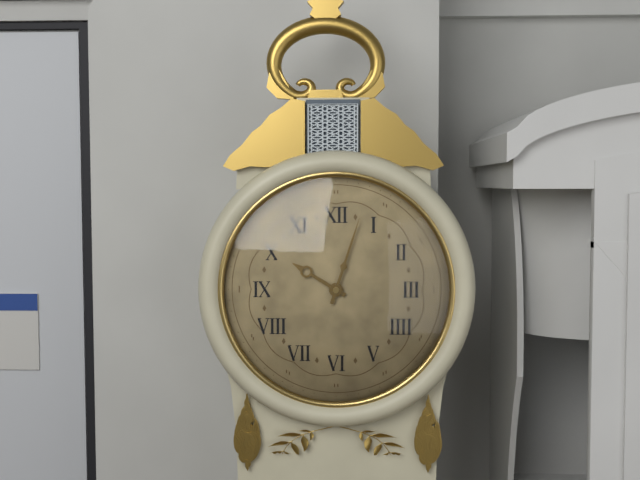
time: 10:03
